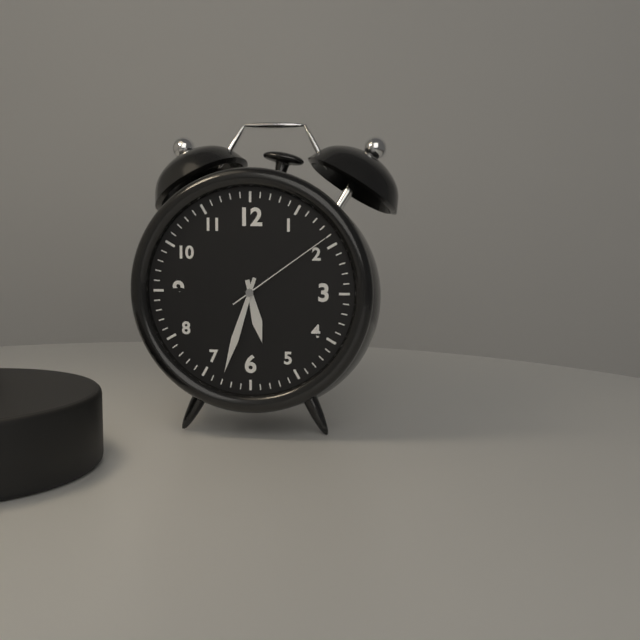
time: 5:33:09
